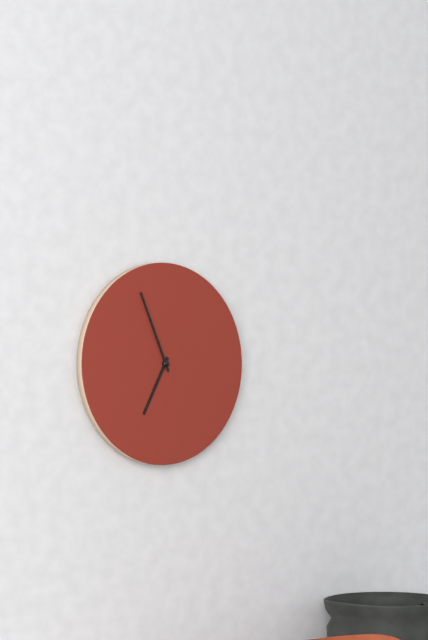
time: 6:56
